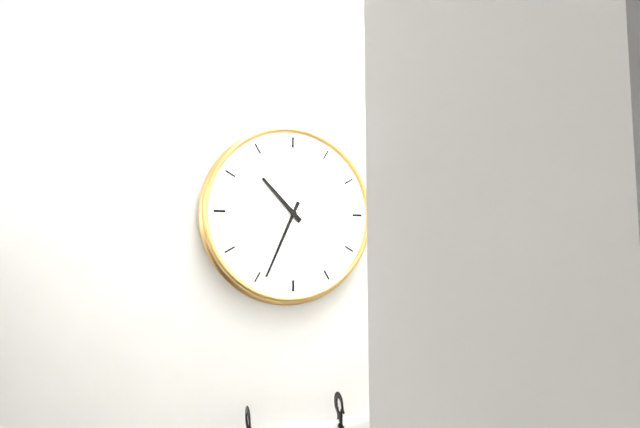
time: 10:34
